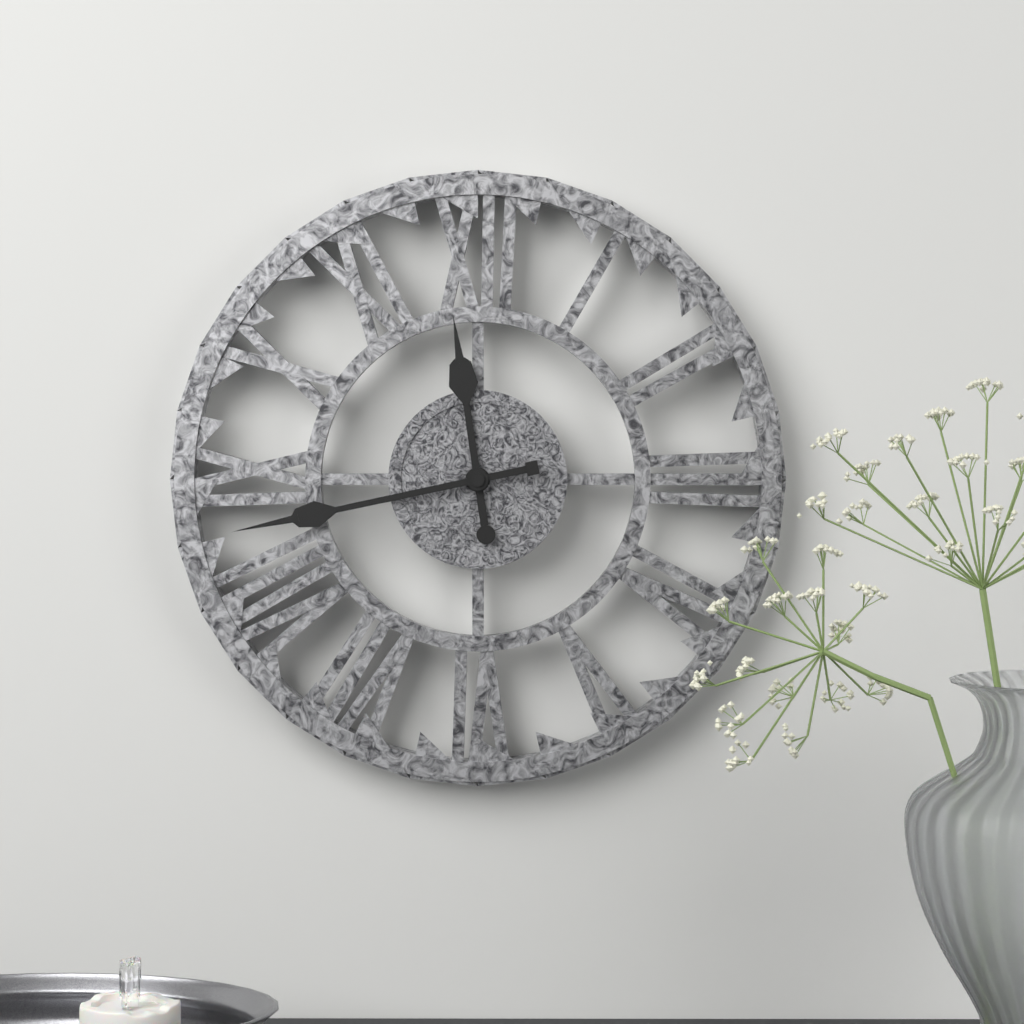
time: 11:43
